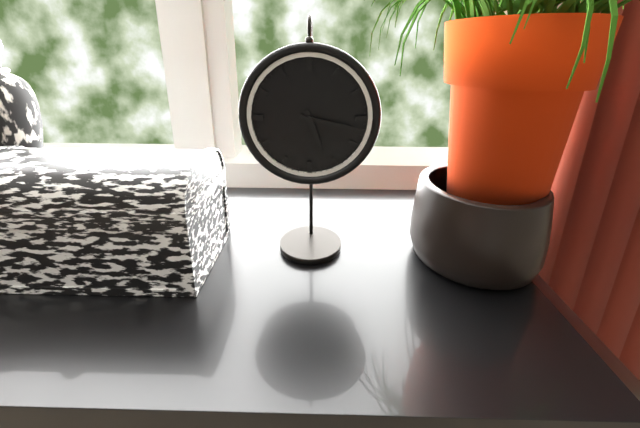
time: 5:17
